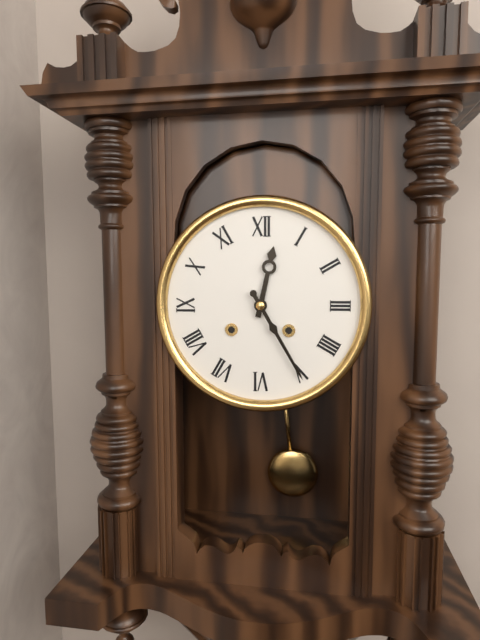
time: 12:25
